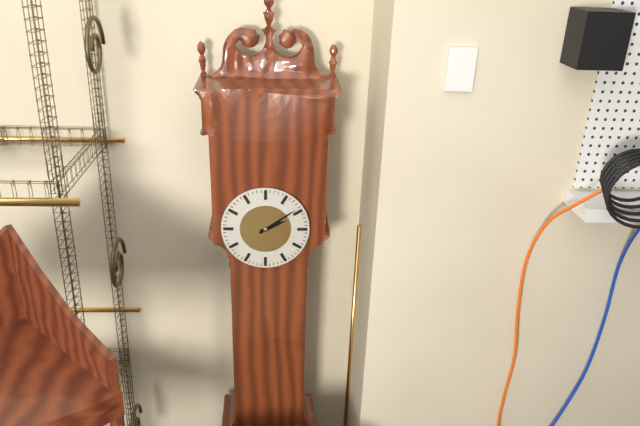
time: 2:09
